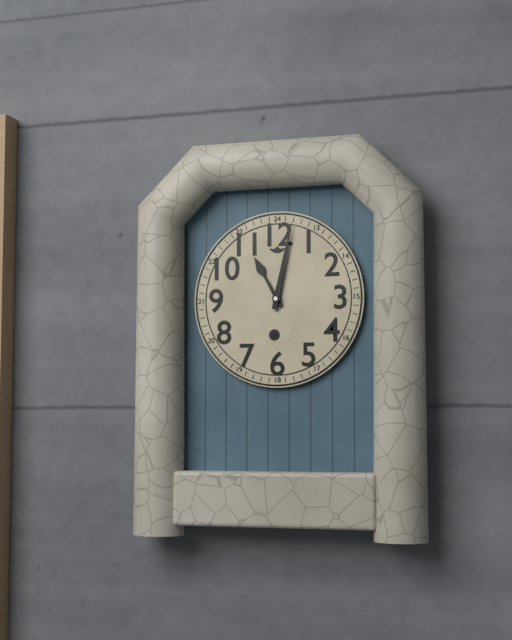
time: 11:02
